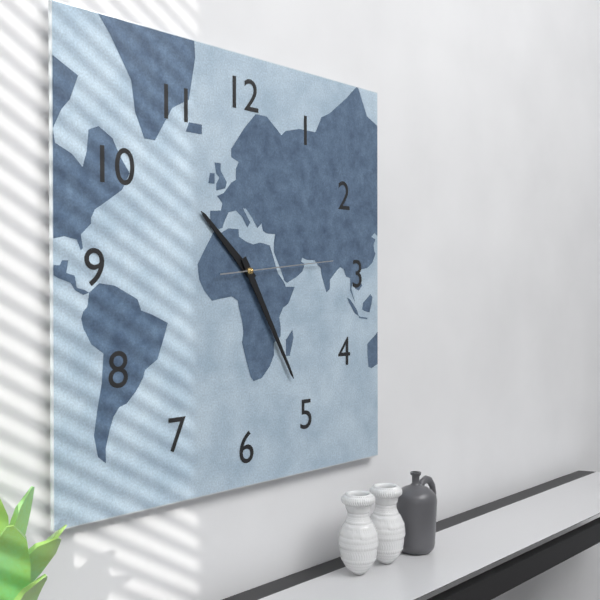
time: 10:25:14
